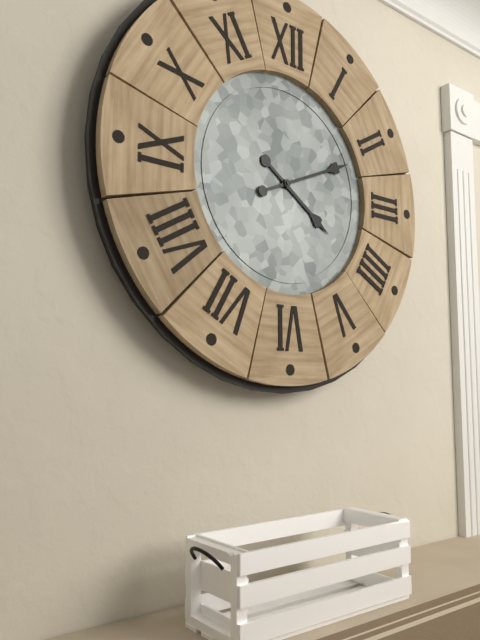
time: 4:11
